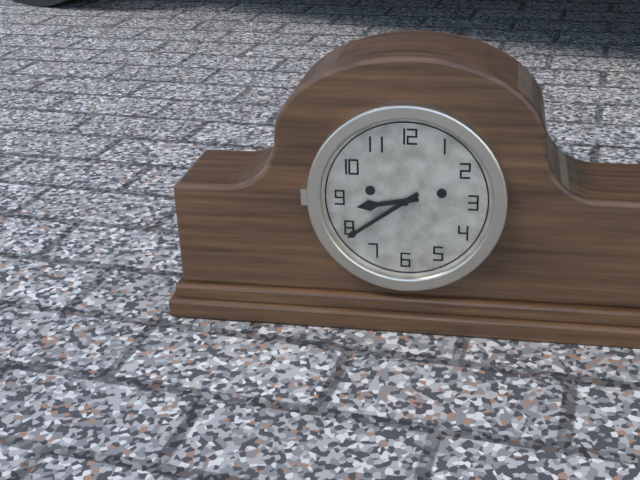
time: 8:39
